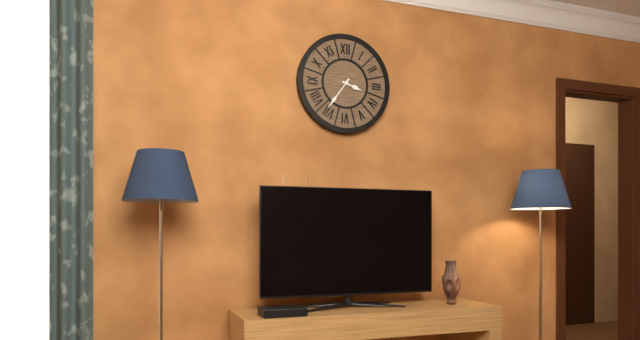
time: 3:36
